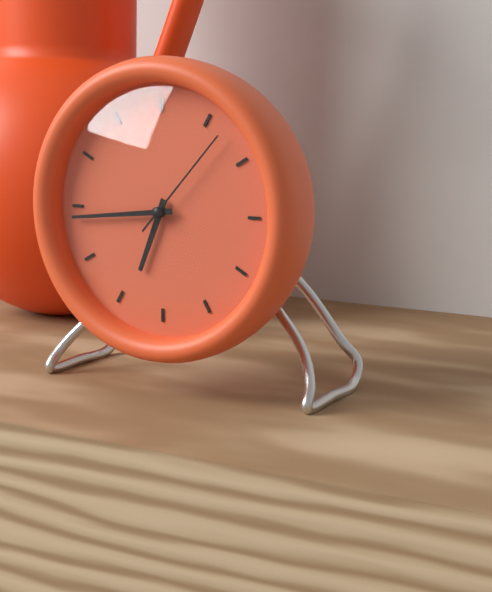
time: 6:44:07
